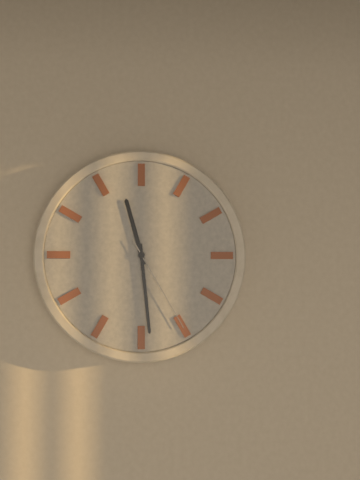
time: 11:29:25
